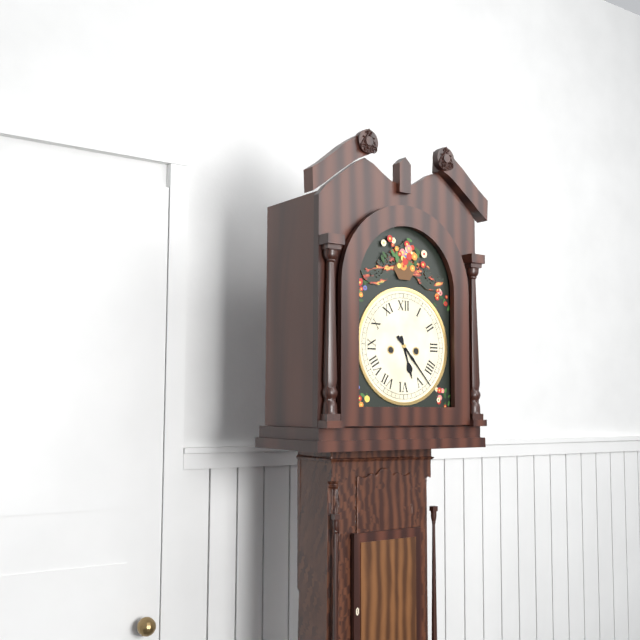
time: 5:23
